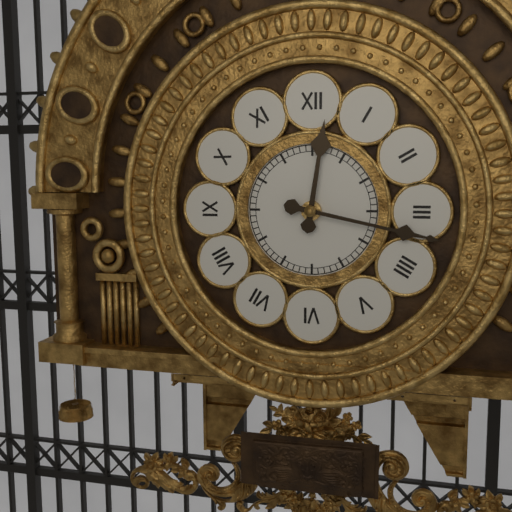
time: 12:17
